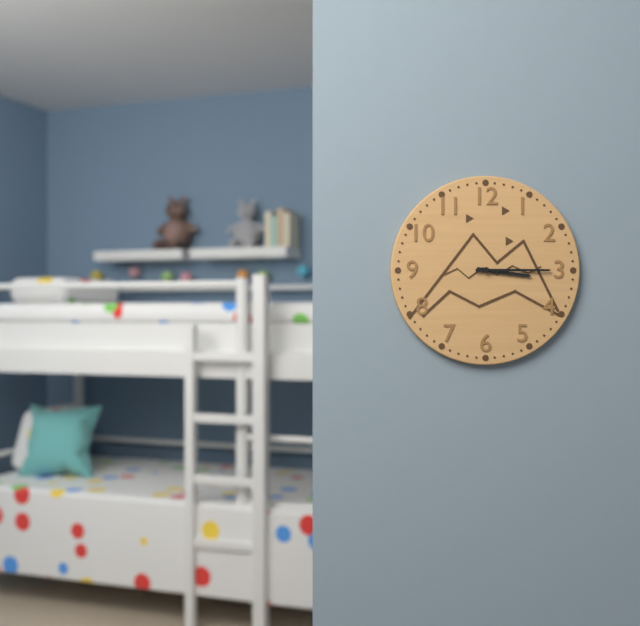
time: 3:15
